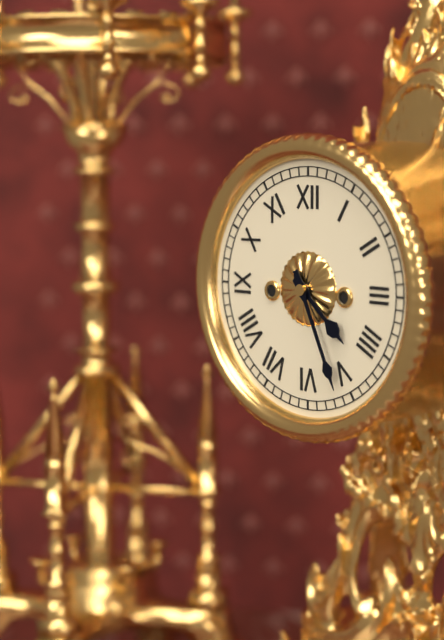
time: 4:26
